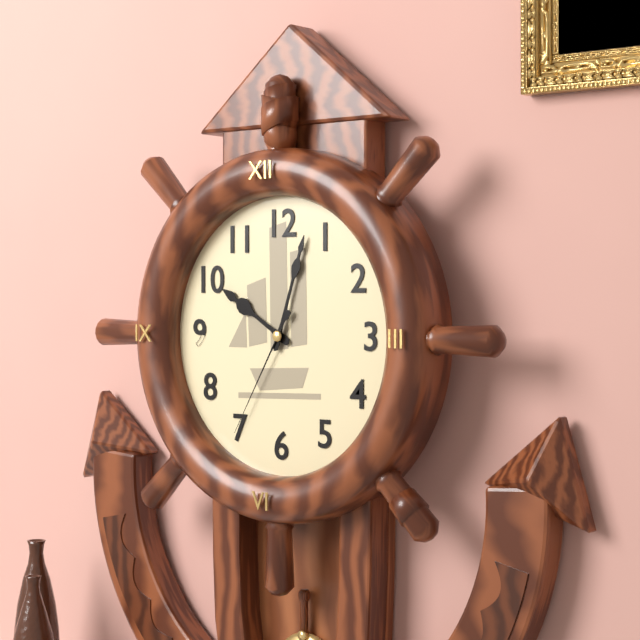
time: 10:03:35
